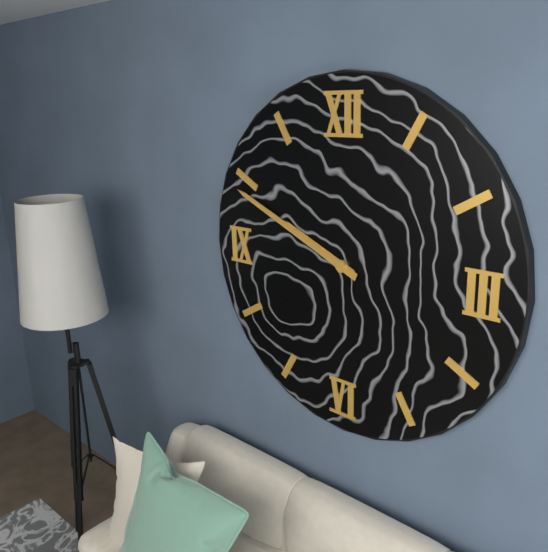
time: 9:49
